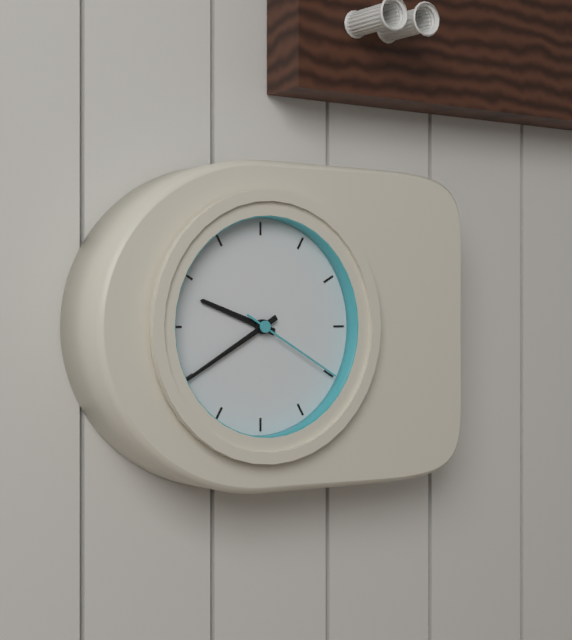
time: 9:40:20
